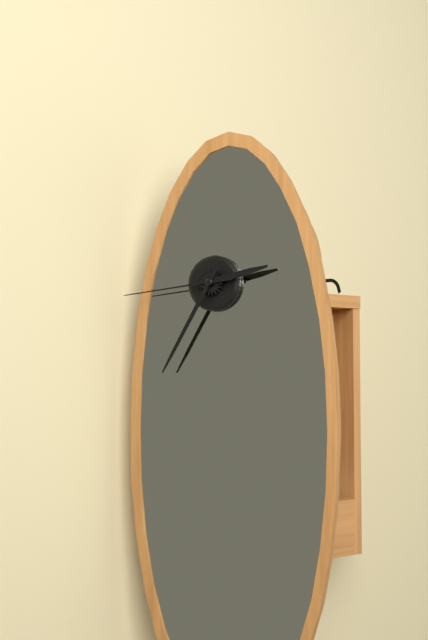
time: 2:35:44
